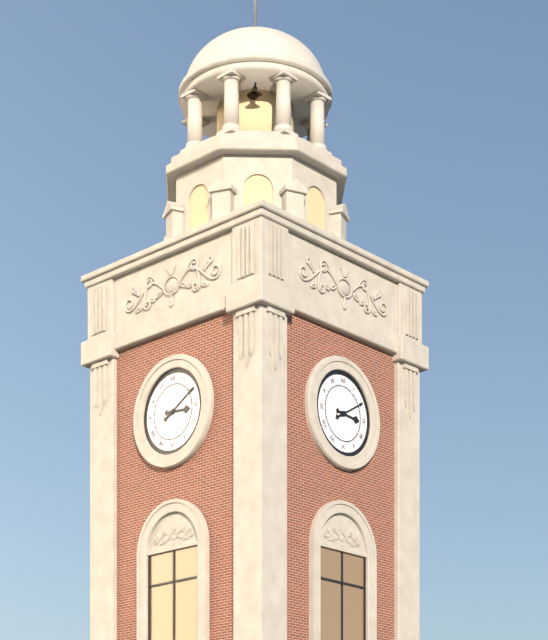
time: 3:10
